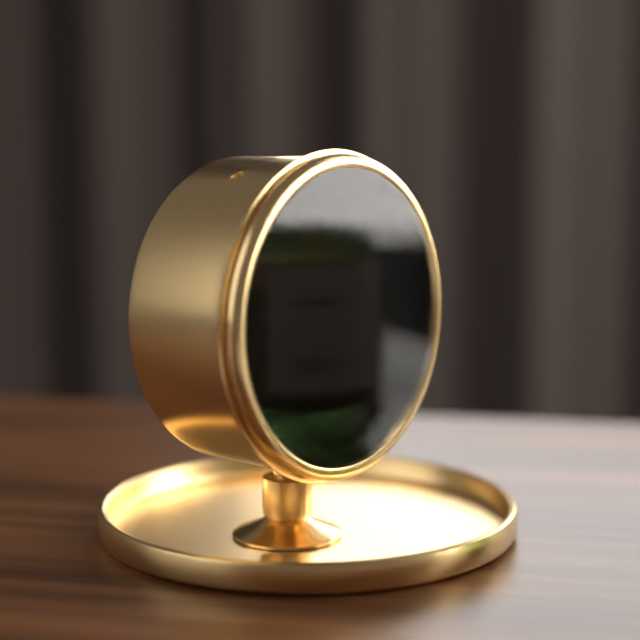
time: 7:58:14
